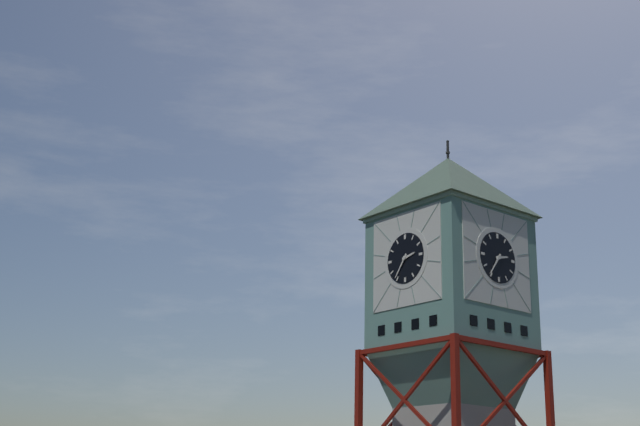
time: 2:36
